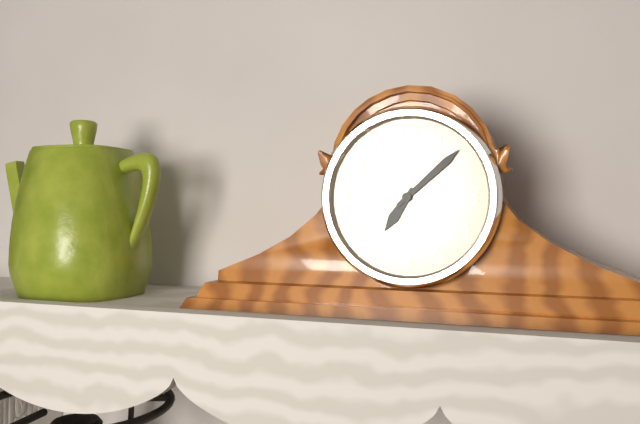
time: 7:08
